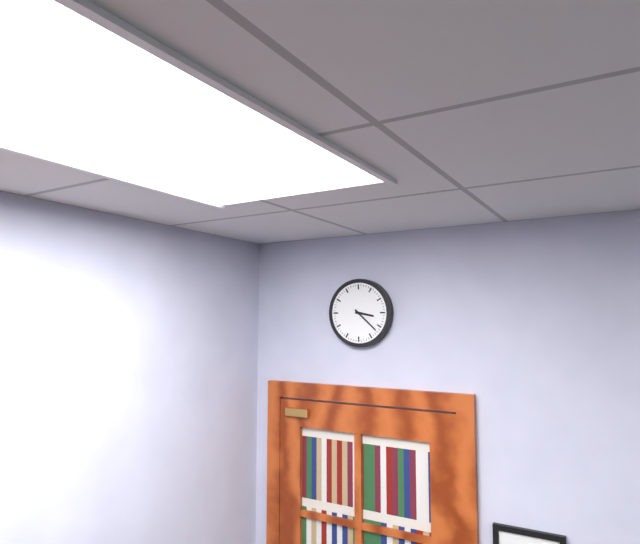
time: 3:22
